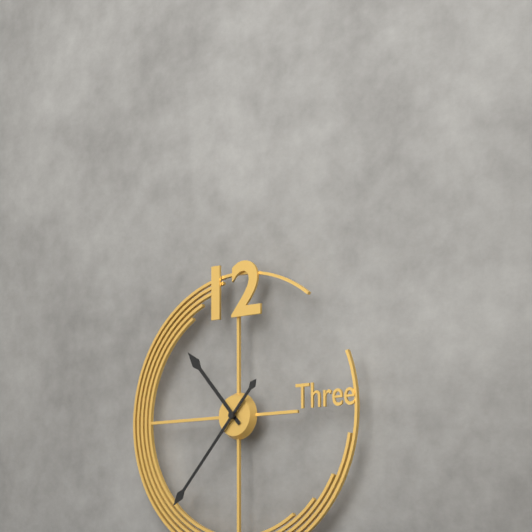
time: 10:37
